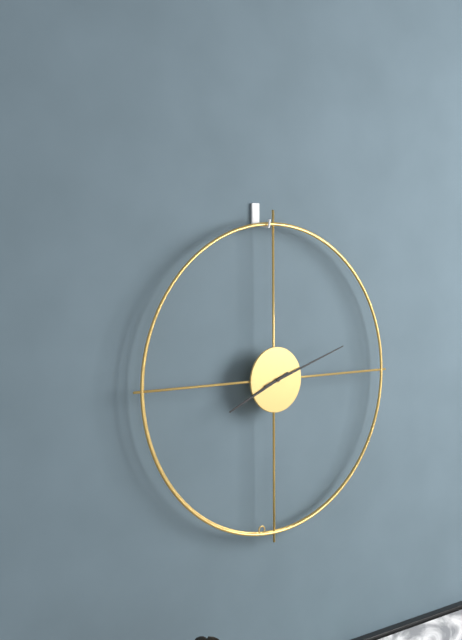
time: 8:12
